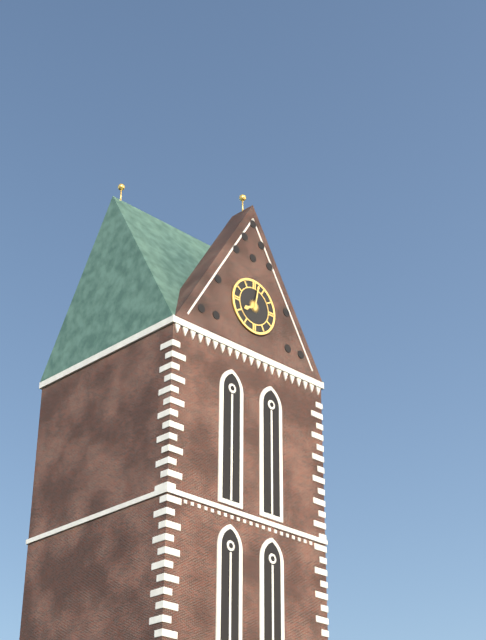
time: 8:02
